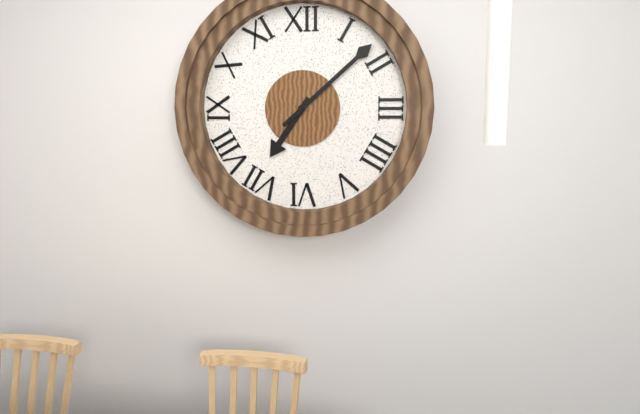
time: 7:08
